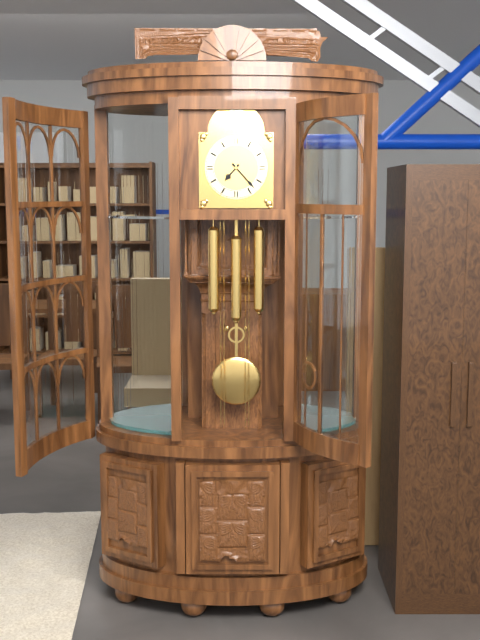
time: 7:23
